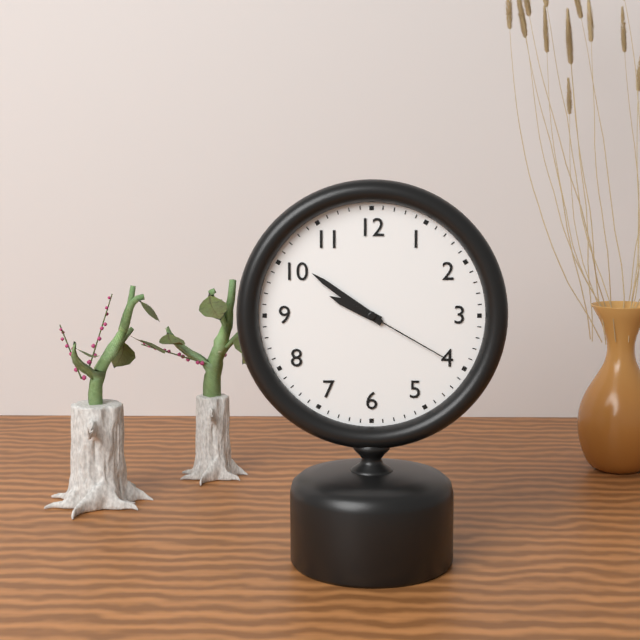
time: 9:51:20
